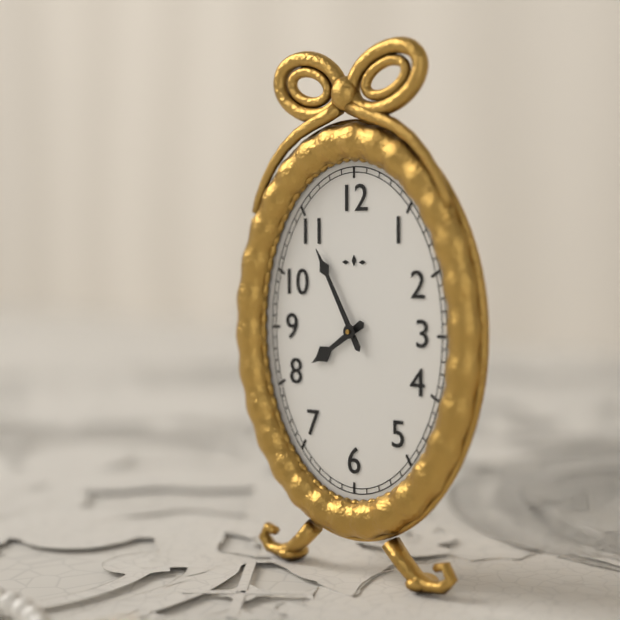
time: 7:55
